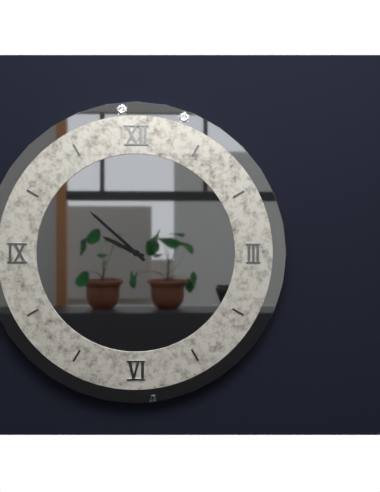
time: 9:52
